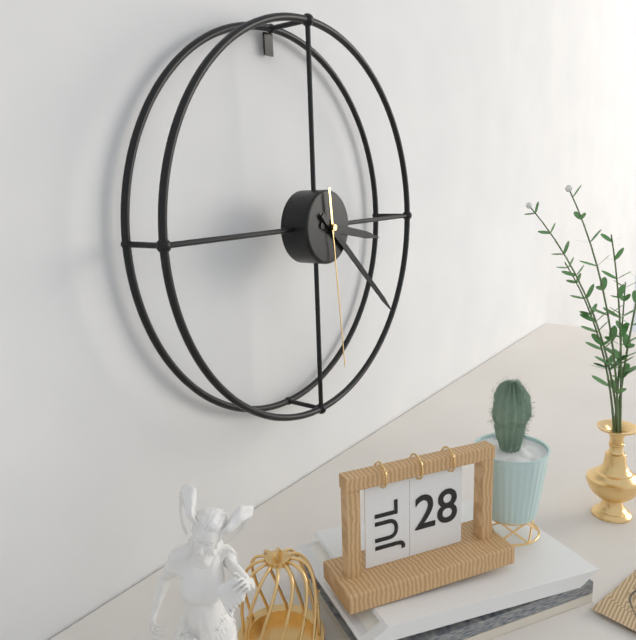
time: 3:22:29
